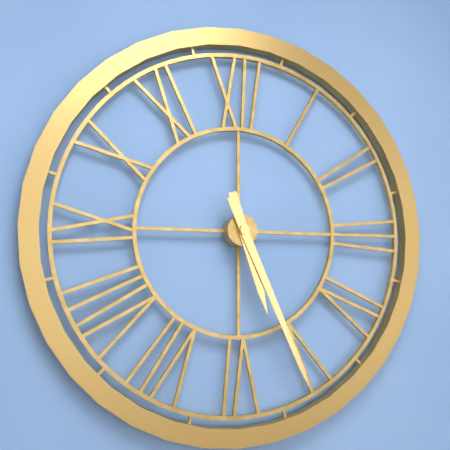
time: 5:26
